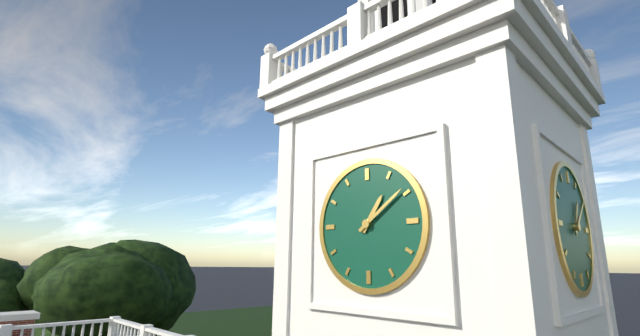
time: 1:09
